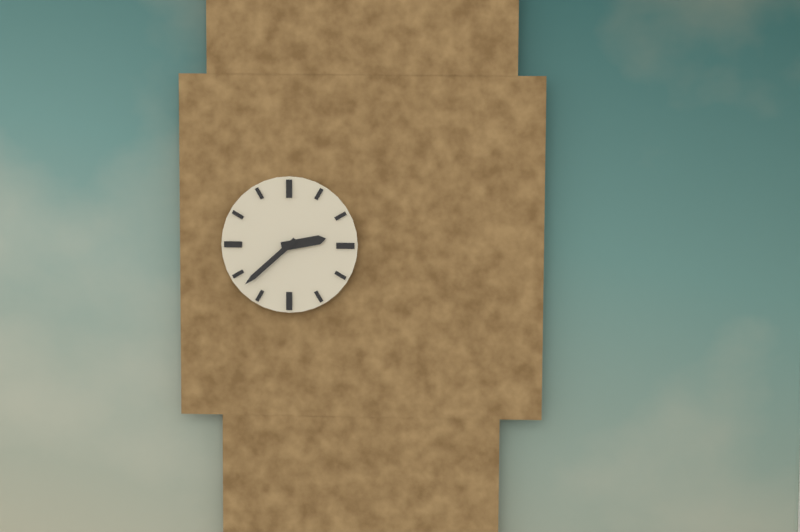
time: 2:38
